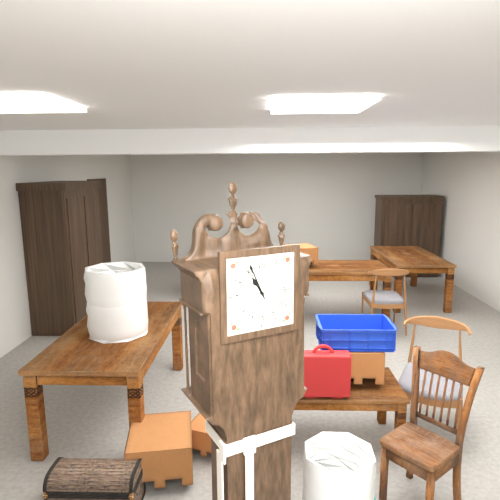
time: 10:56
